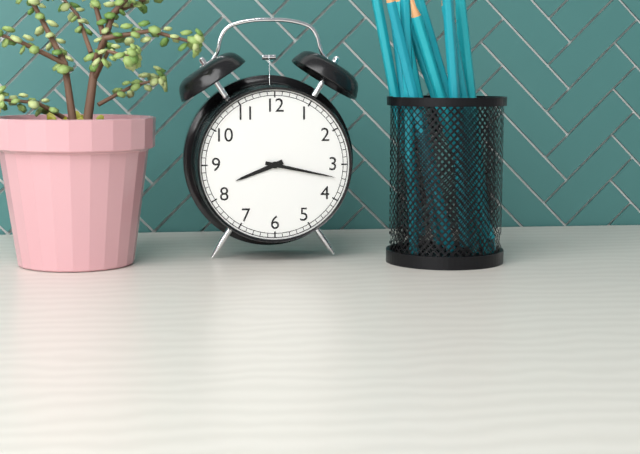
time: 8:17
